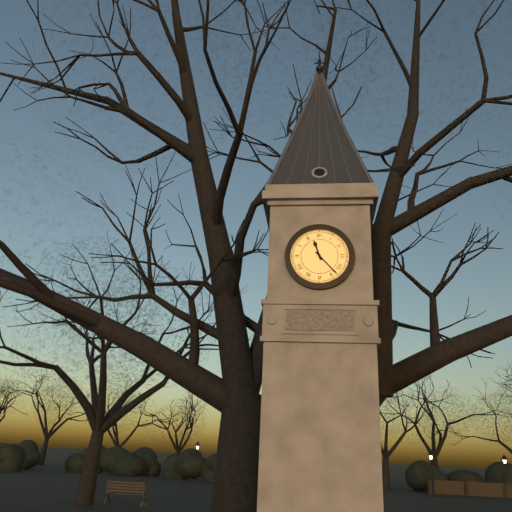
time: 11:23
